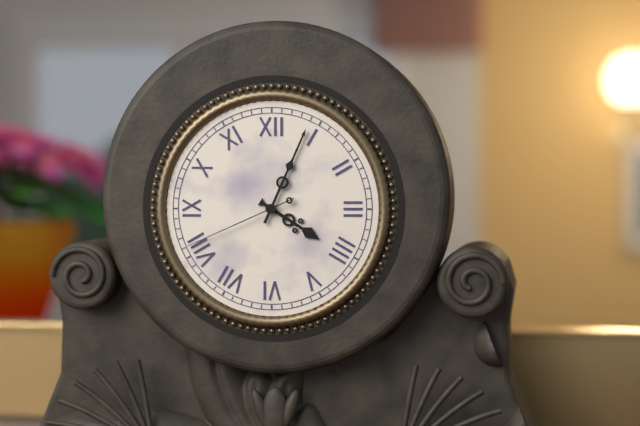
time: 4:04:41
